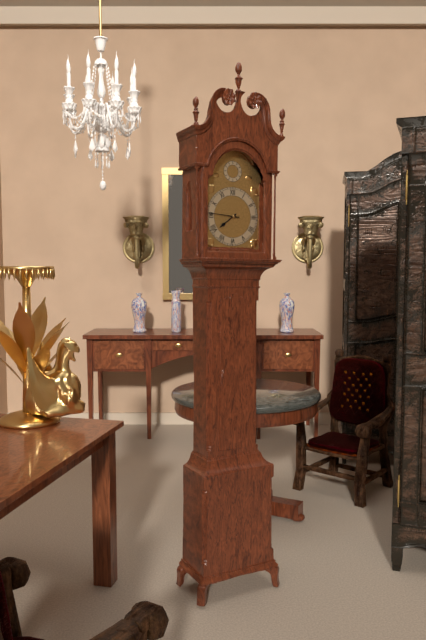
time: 7:46
